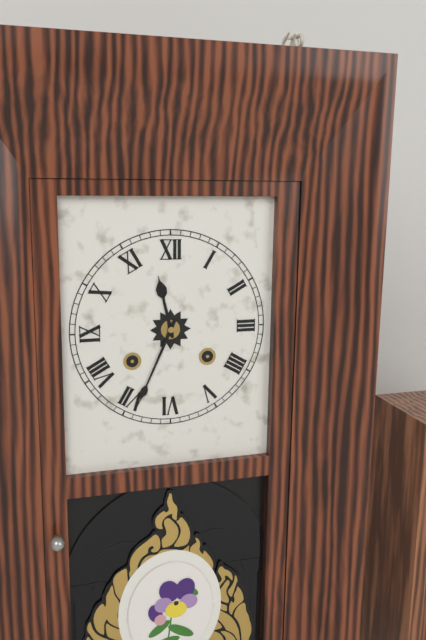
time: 11:34
